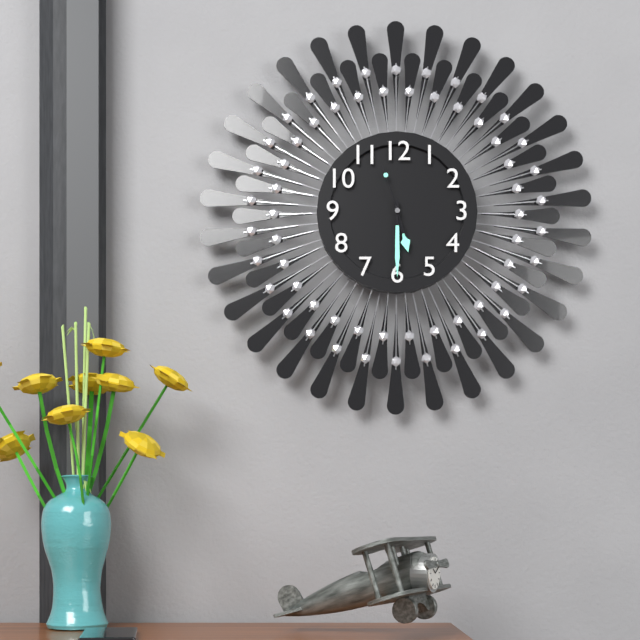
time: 5:30:57
